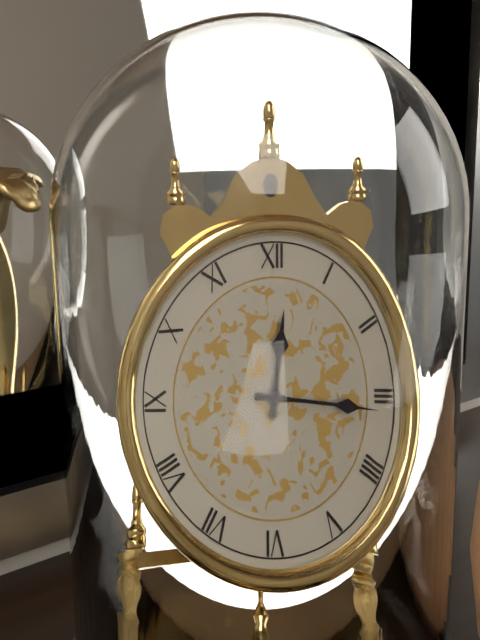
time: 12:16
